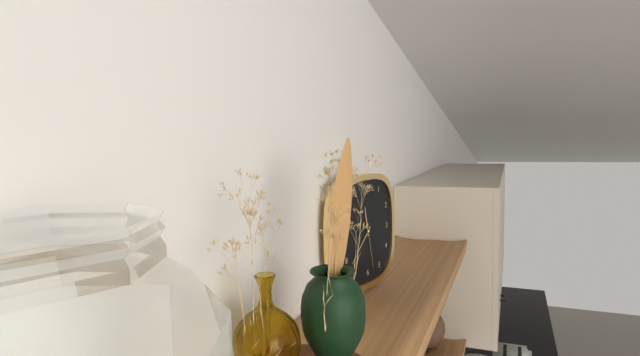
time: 11:38
